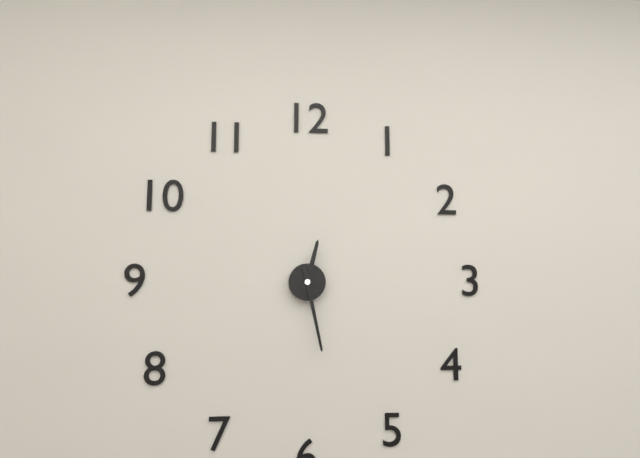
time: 12:28
